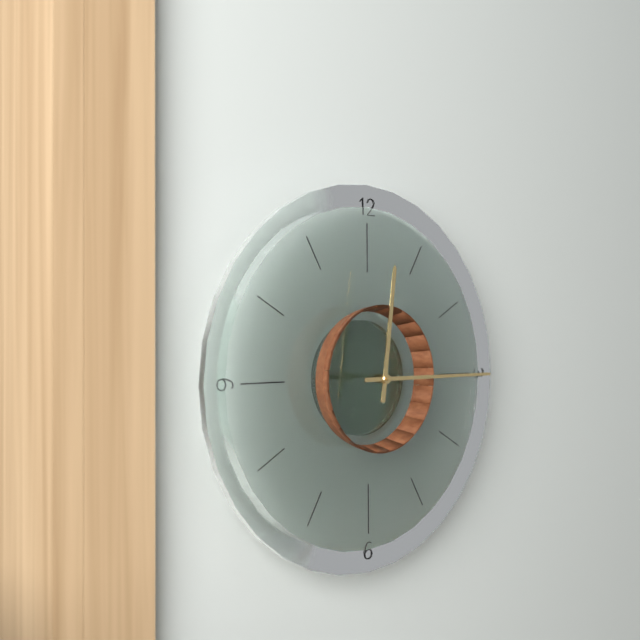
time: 12:15
